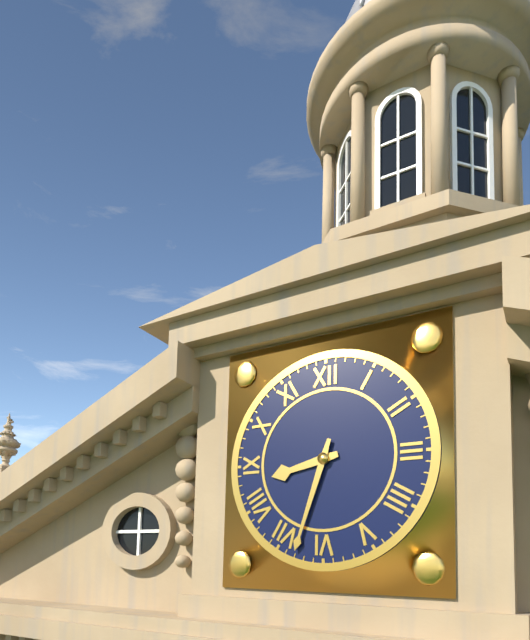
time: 8:33
